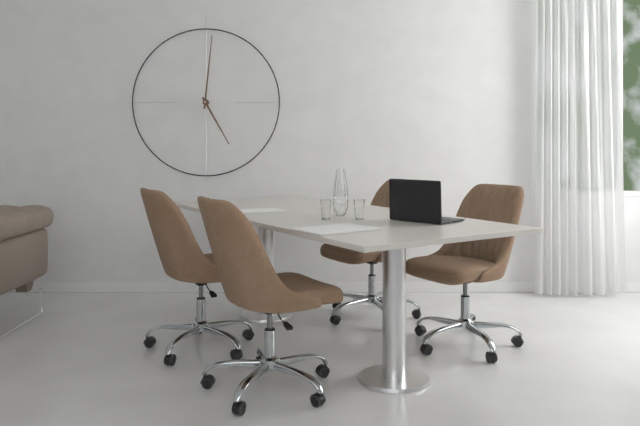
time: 5:01
